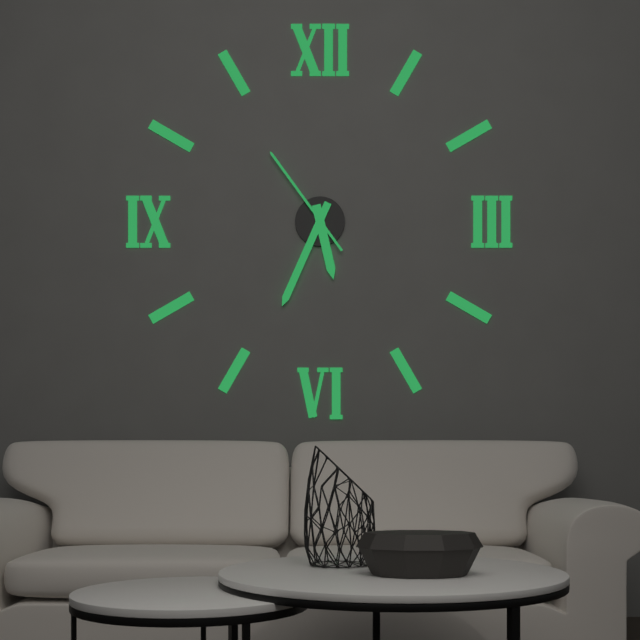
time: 5:34:54
